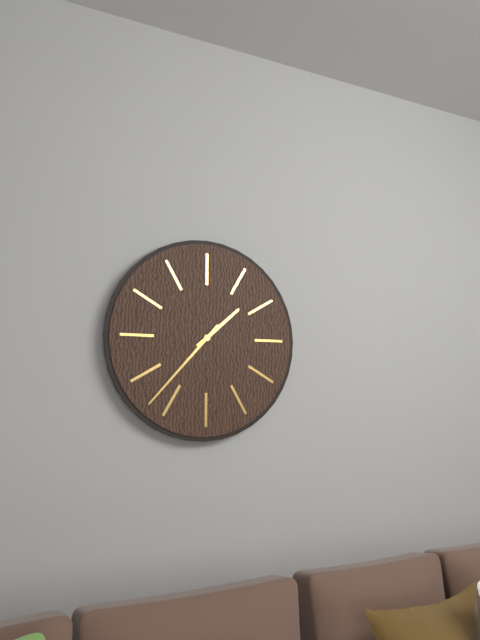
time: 1:37
